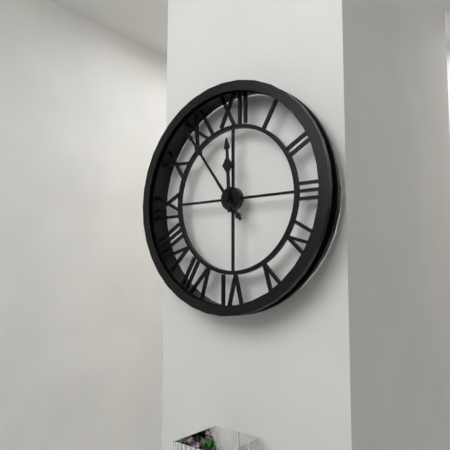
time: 11:54
